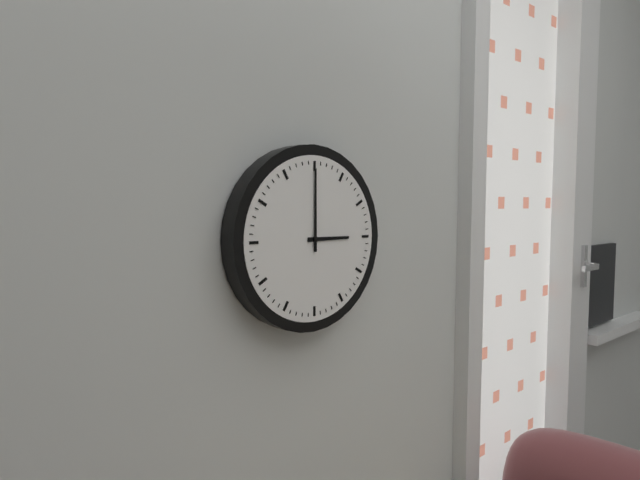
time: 3:00
